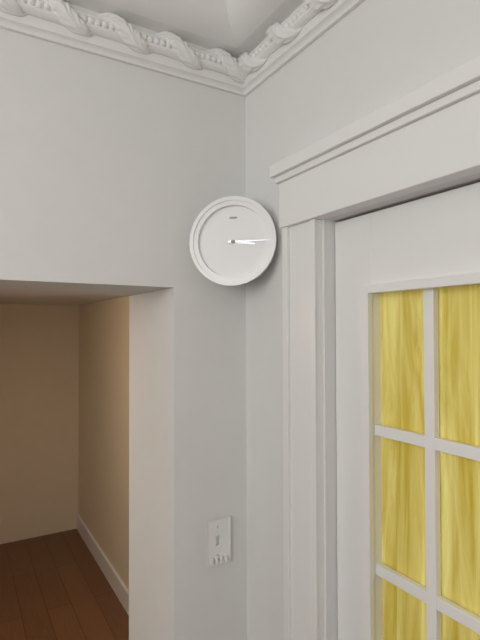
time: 3:15
